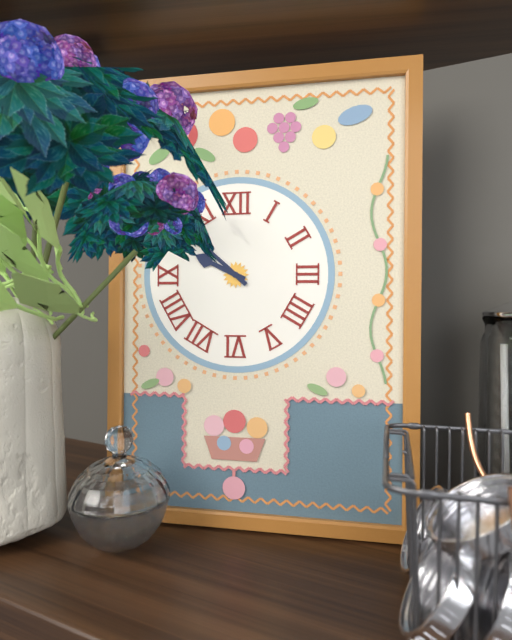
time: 9:52
